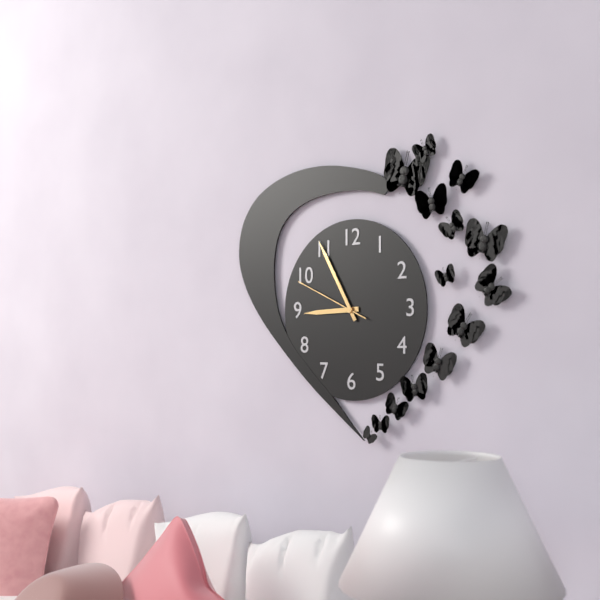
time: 8:55:49
